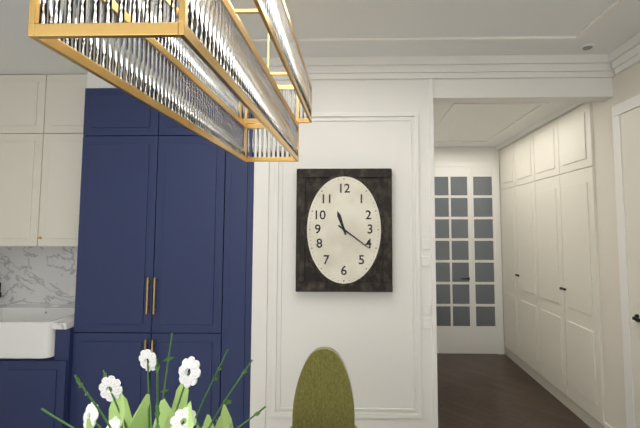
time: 11:21
